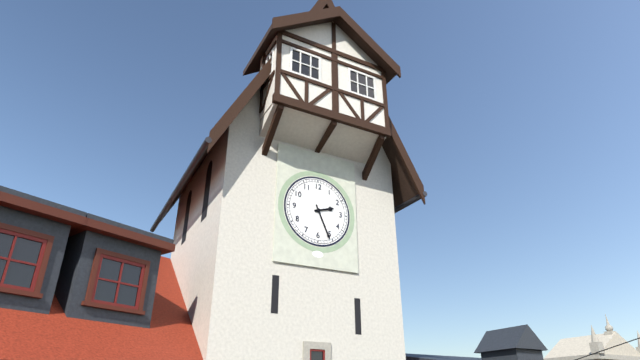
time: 2:26
